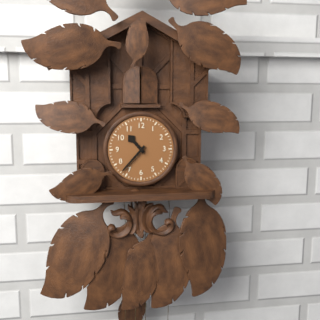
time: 10:37
